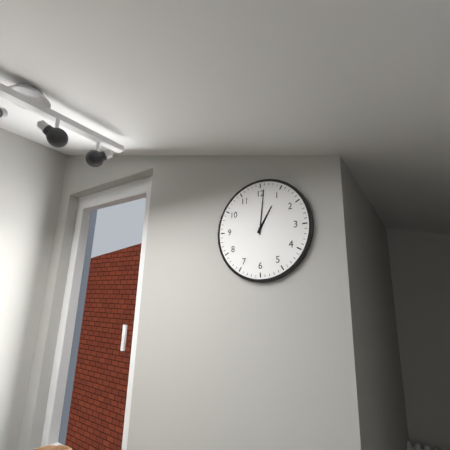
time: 1:01
